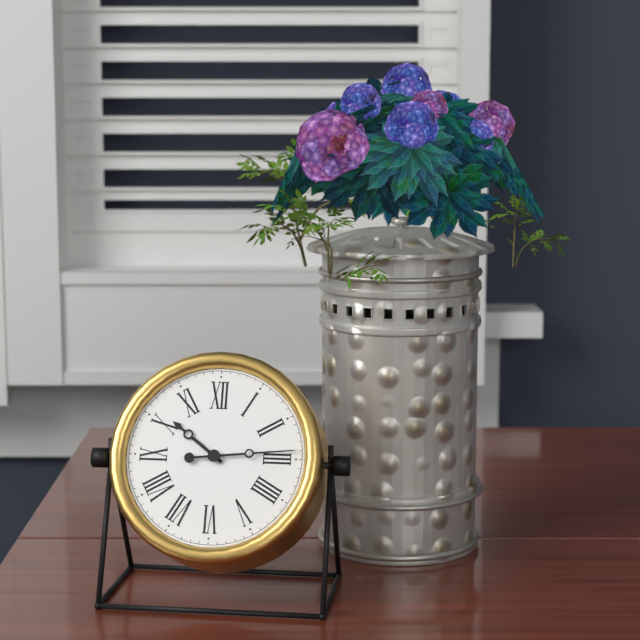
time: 10:14
